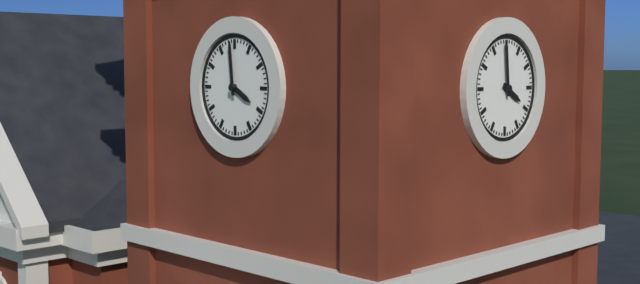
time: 3:59
